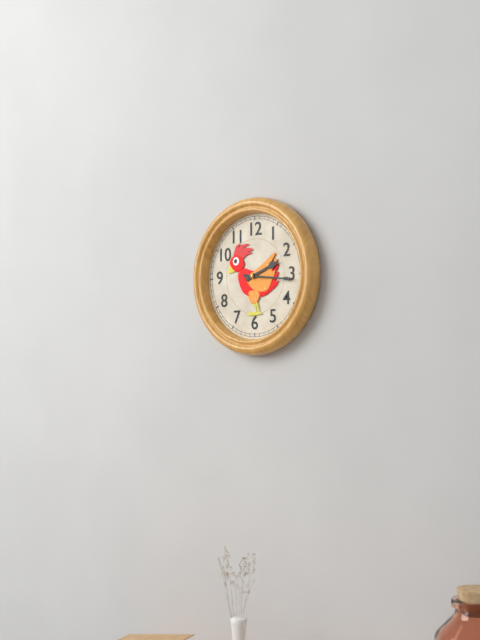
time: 2:16
